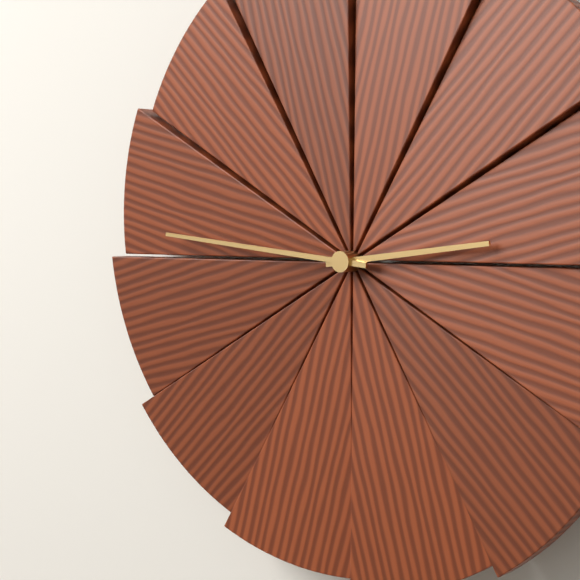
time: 2:46
